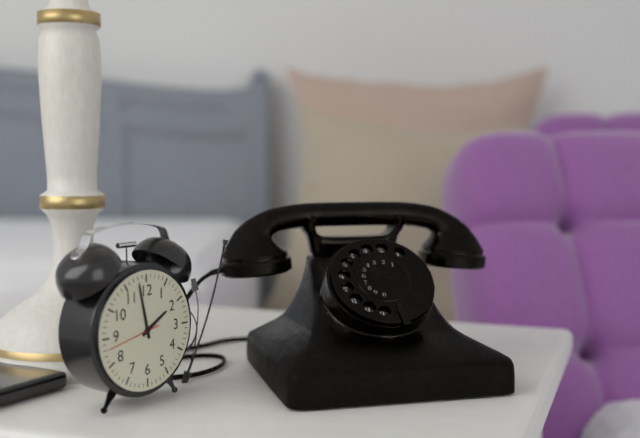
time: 1:58:43
